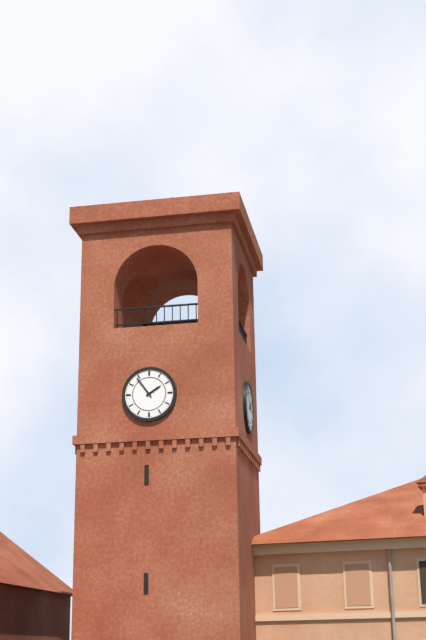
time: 1:54
